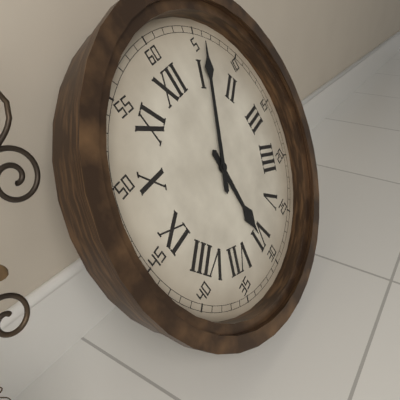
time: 6:06
